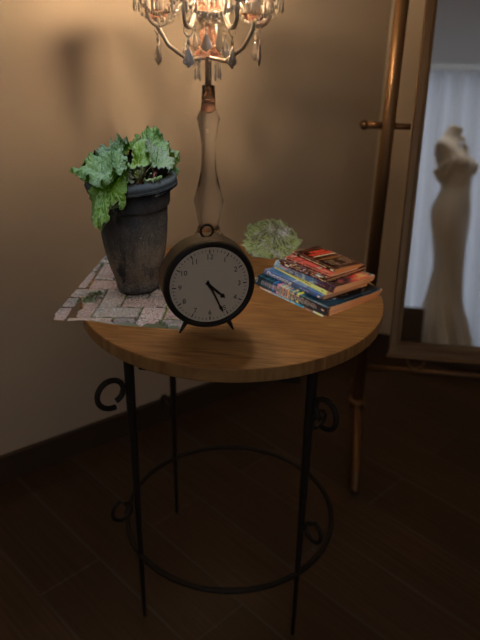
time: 4:26
